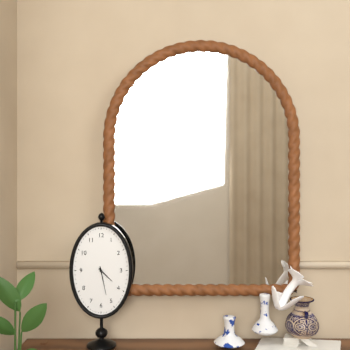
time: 4:28
